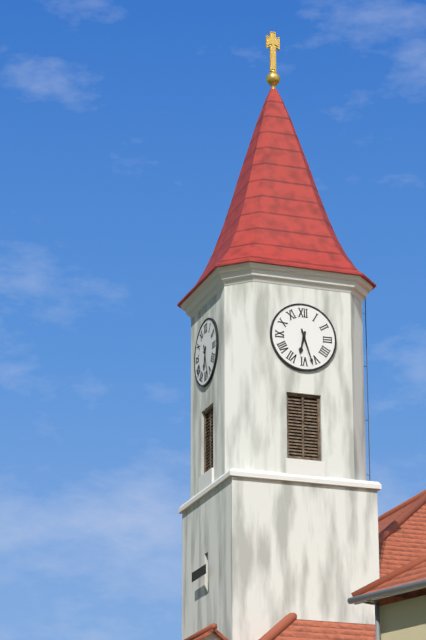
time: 6:27
